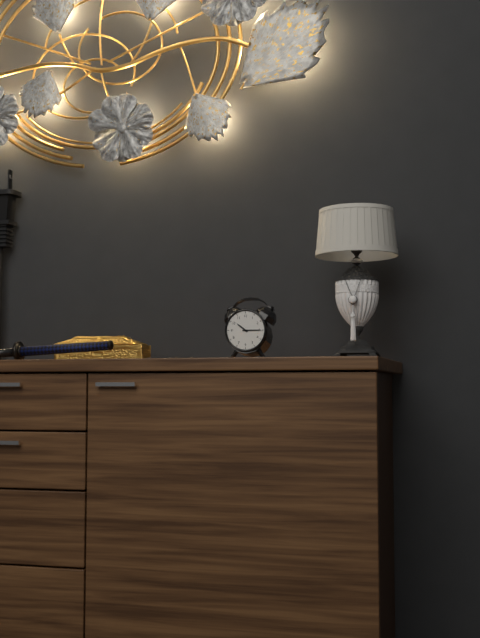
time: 10:15
